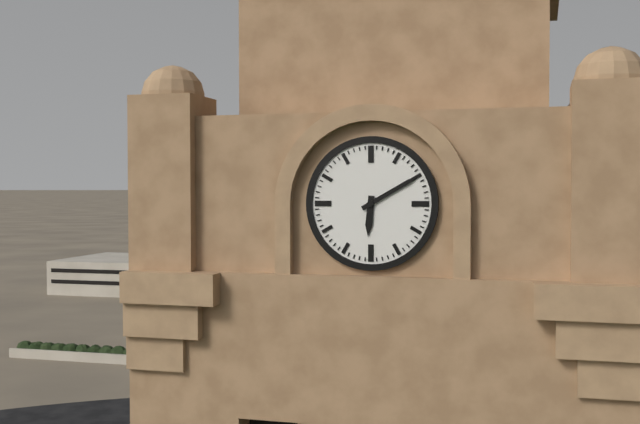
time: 6:10
